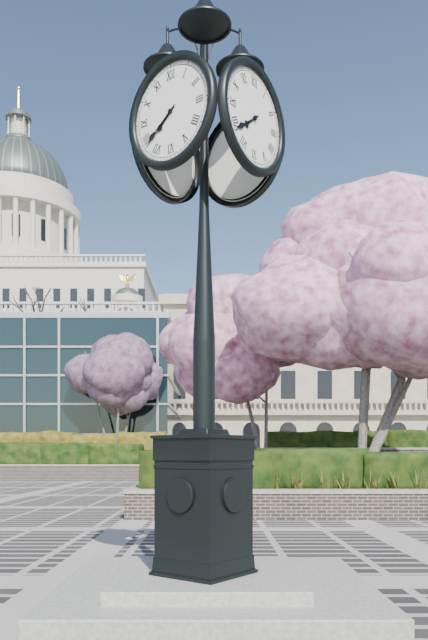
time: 7:39
